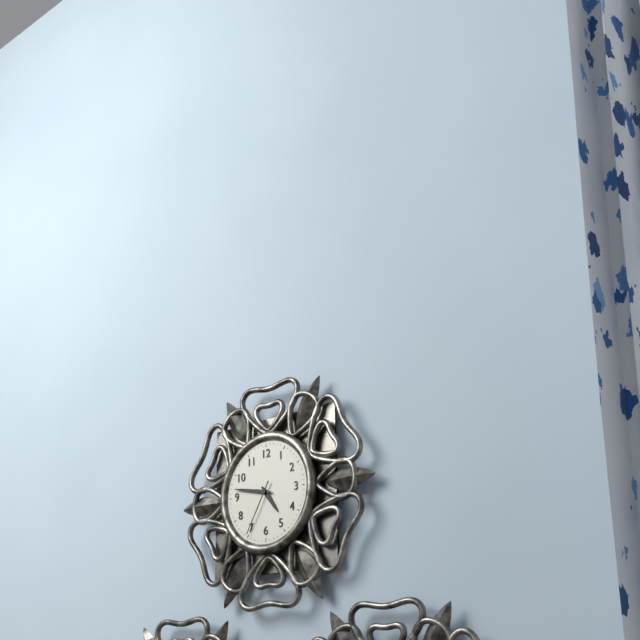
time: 4:47:35
